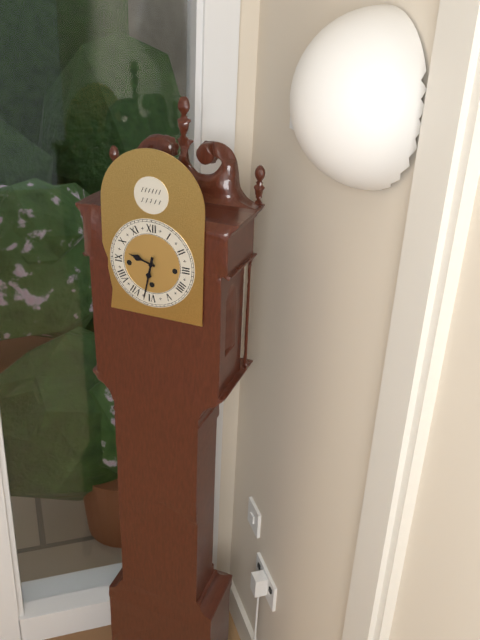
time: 9:32
